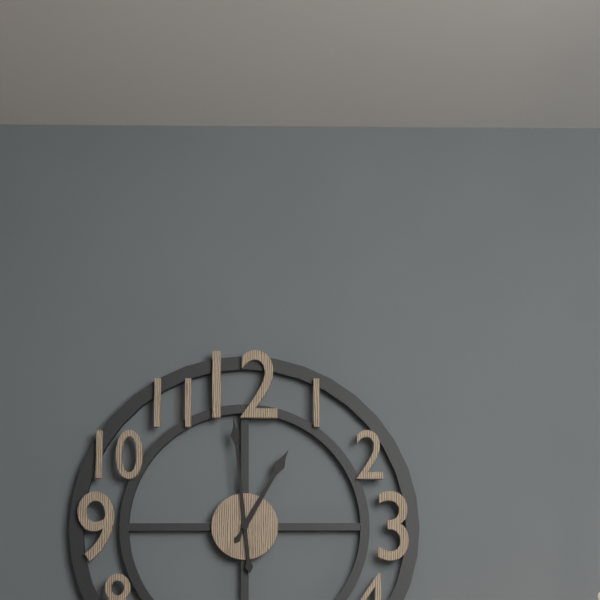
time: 12:59
